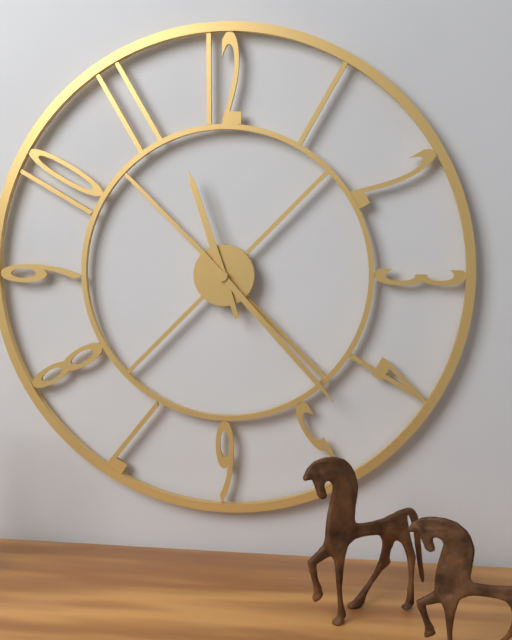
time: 11:23
